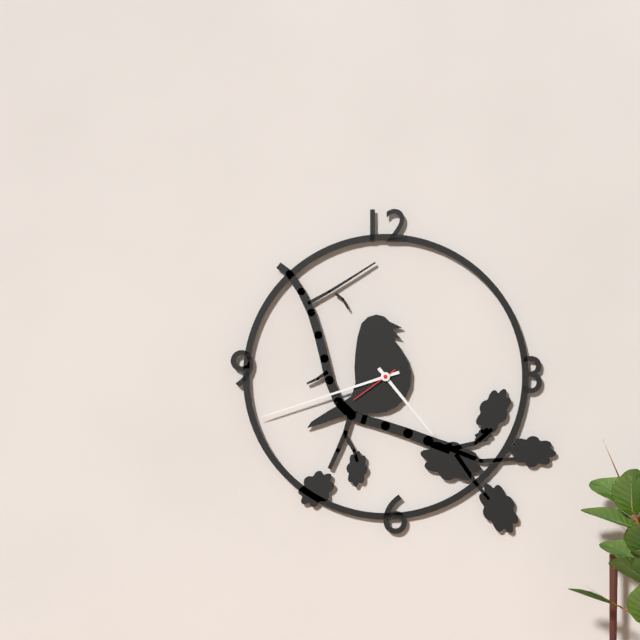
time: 4:42:39
